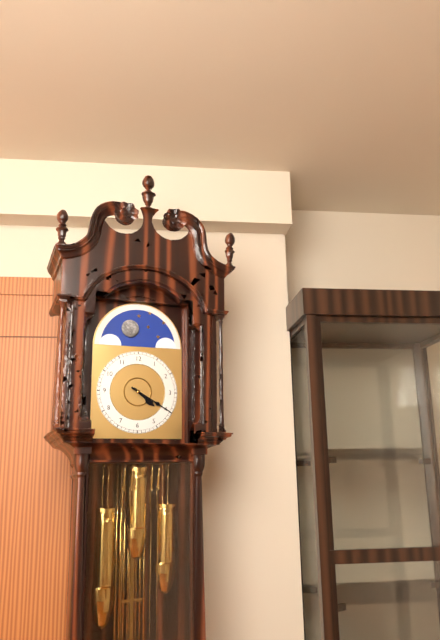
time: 4:20
